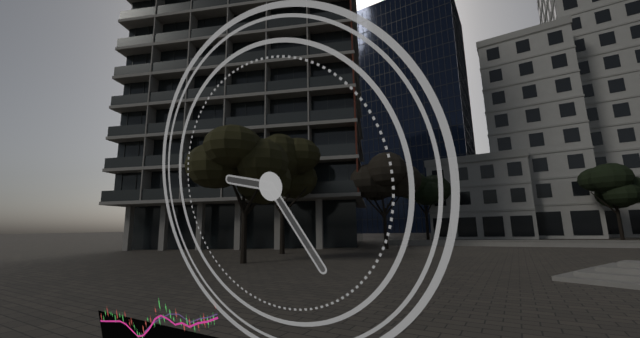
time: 9:25
